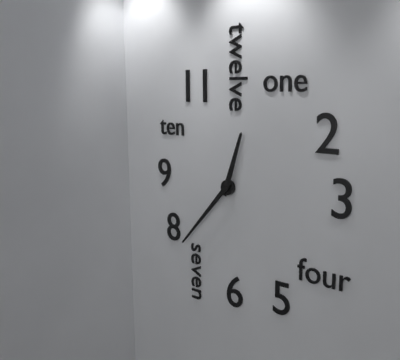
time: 12:37
